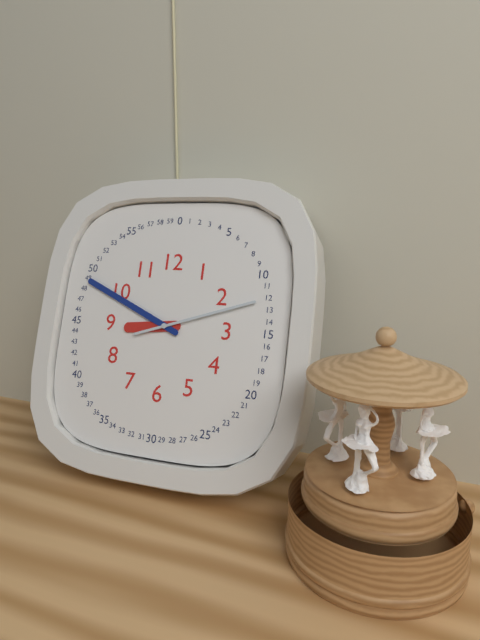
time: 8:49:12
